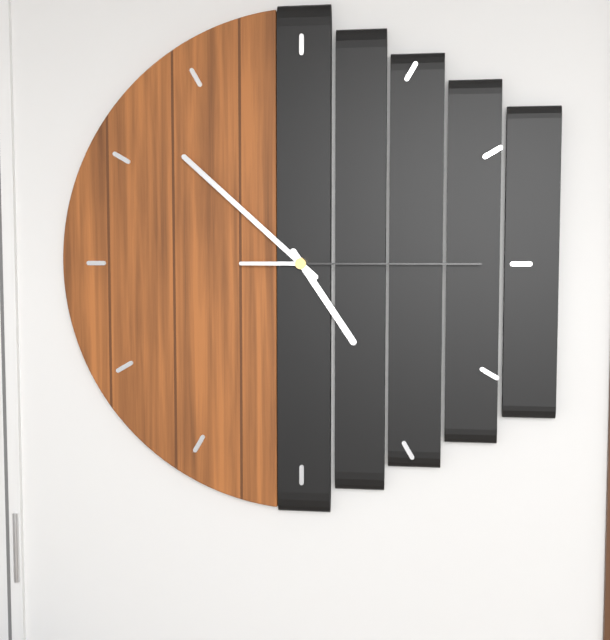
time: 4:52:15
